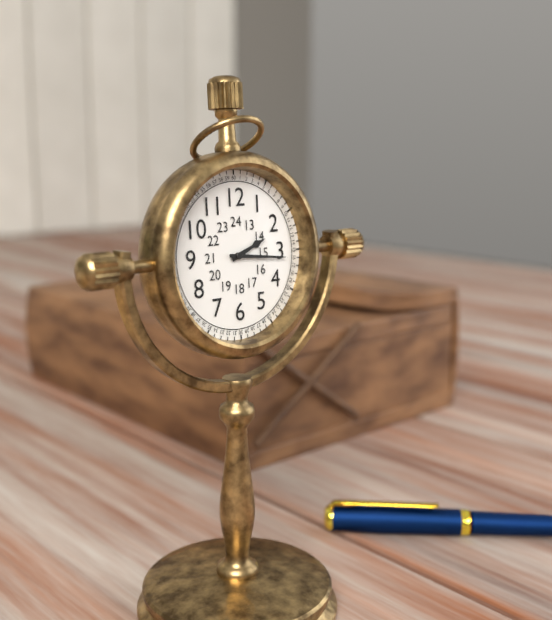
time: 2:16
